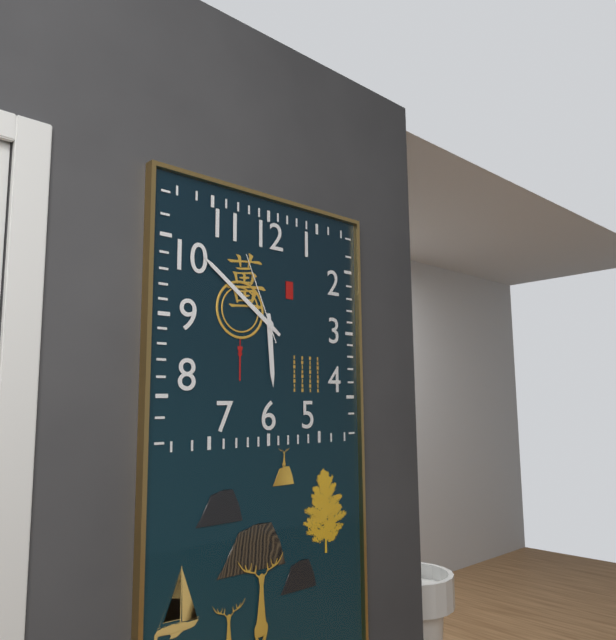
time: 5:51:56
